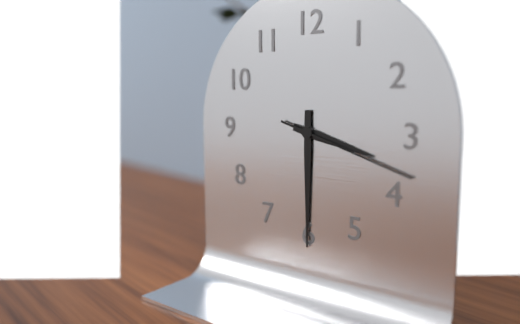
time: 3:30:18
